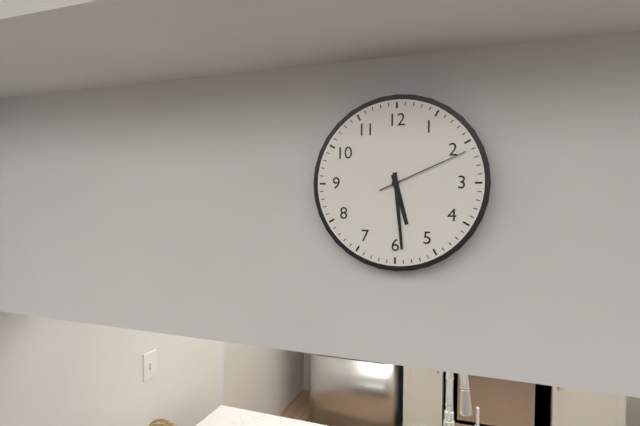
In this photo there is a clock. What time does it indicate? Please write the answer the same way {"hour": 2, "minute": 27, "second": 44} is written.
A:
{"hour": 5, "minute": 29, "second": 11}
